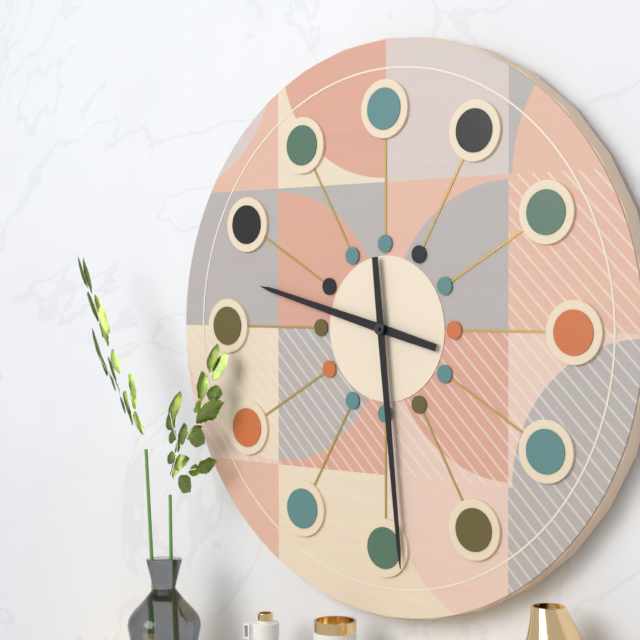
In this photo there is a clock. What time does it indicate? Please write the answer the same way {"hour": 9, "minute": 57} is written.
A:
{"hour": 9, "minute": 29}
